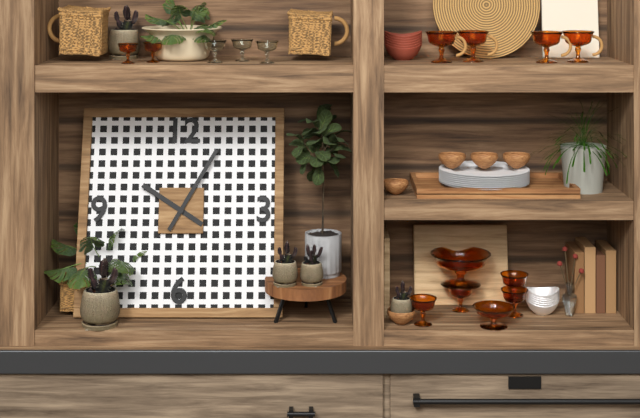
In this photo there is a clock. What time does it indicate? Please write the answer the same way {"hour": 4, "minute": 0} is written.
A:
{"hour": 10, "minute": 5}
